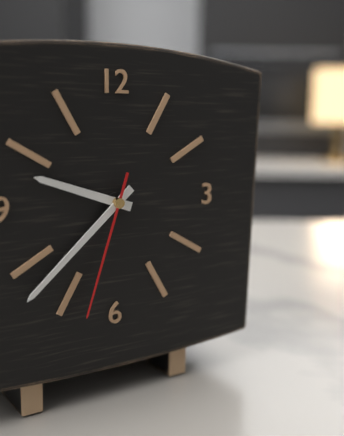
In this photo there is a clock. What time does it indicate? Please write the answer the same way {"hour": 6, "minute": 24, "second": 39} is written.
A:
{"hour": 9, "minute": 38, "second": 33}
